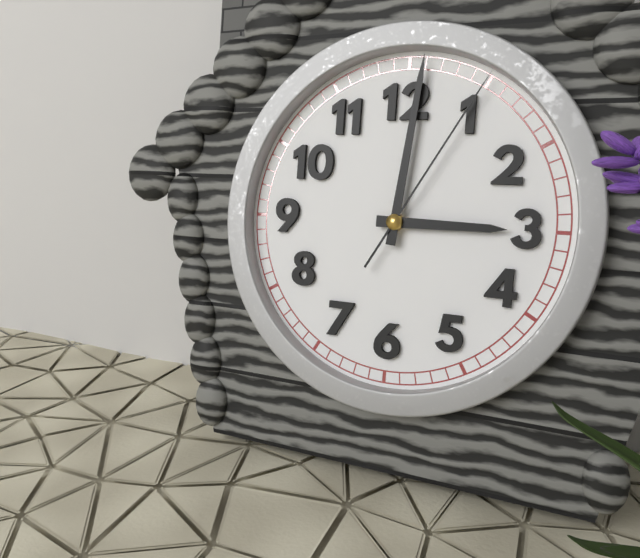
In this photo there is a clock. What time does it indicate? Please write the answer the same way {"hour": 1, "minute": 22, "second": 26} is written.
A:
{"hour": 3, "minute": 1, "second": 5}
